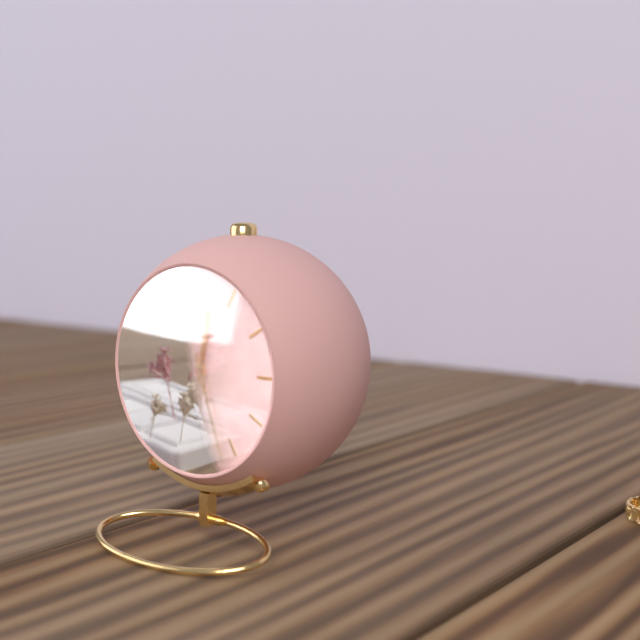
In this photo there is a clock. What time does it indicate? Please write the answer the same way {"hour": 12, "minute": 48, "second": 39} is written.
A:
{"hour": 12, "minute": 27, "second": 2}
